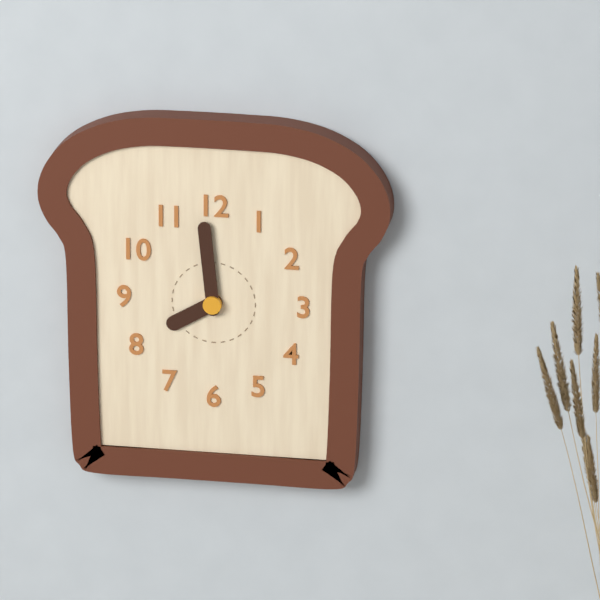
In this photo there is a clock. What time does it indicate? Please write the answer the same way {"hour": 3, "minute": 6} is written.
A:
{"hour": 7, "minute": 59}
